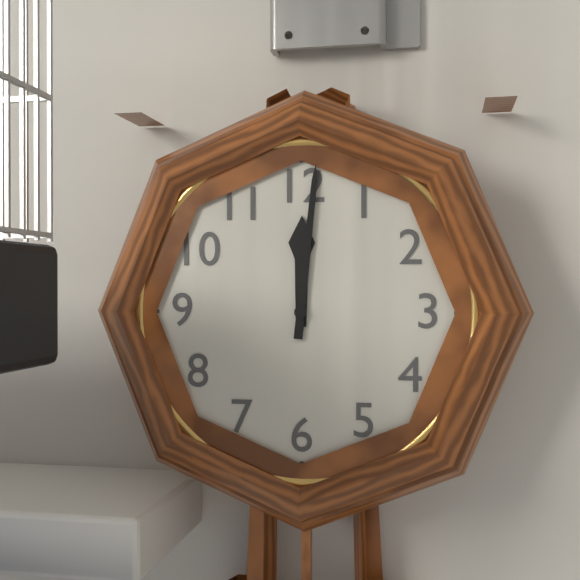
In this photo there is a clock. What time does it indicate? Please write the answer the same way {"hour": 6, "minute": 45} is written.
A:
{"hour": 12, "minute": 1}
